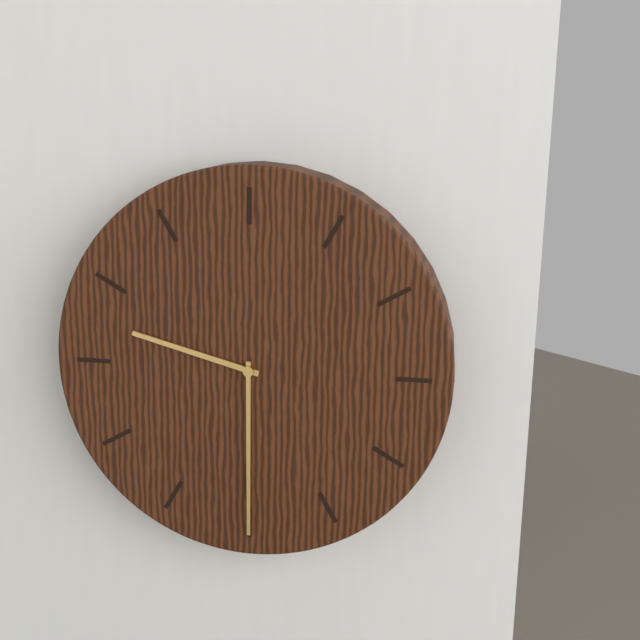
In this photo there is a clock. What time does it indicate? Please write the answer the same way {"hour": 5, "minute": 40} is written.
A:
{"hour": 9, "minute": 30}
